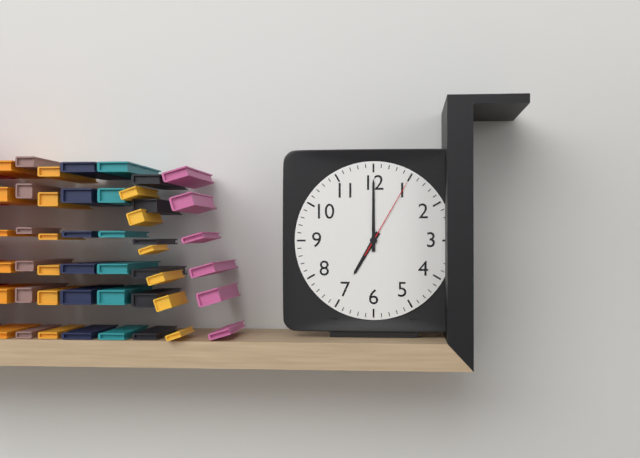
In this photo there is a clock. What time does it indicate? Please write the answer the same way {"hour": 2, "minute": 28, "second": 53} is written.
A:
{"hour": 7, "minute": 0, "second": 5}
